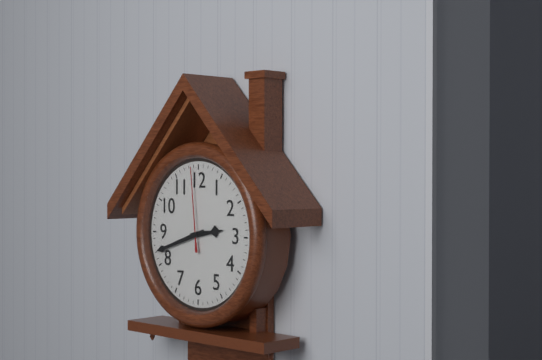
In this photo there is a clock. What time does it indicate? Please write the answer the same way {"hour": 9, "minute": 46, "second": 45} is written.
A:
{"hour": 2, "minute": 42, "second": 59}
